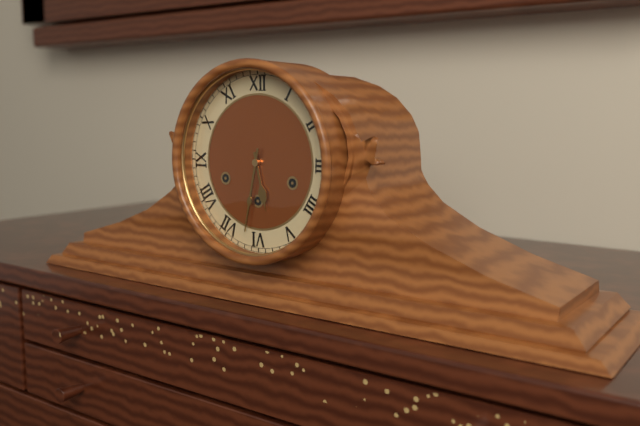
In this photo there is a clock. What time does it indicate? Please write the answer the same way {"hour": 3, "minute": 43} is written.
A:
{"hour": 5, "minute": 32}
